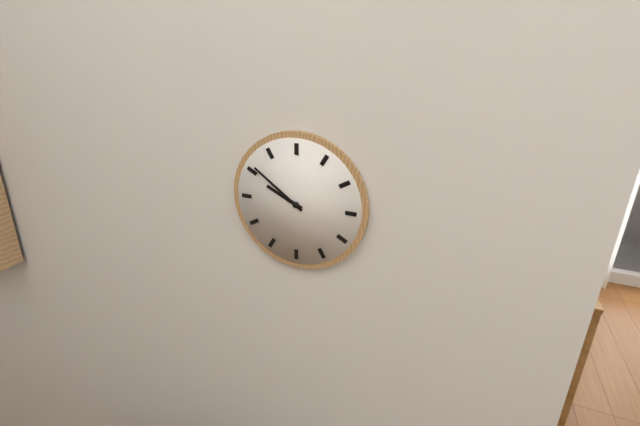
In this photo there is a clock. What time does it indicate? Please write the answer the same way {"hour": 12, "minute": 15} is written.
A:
{"hour": 9, "minute": 51}
